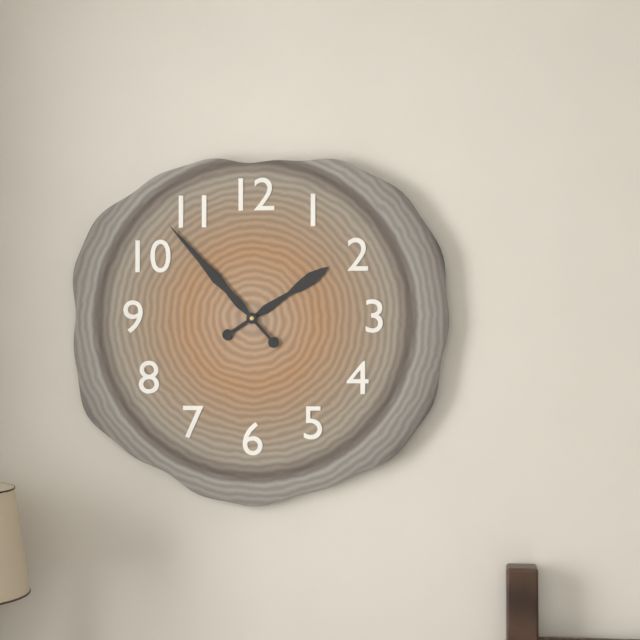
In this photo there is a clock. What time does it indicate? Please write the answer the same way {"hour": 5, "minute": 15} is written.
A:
{"hour": 1, "minute": 53}
